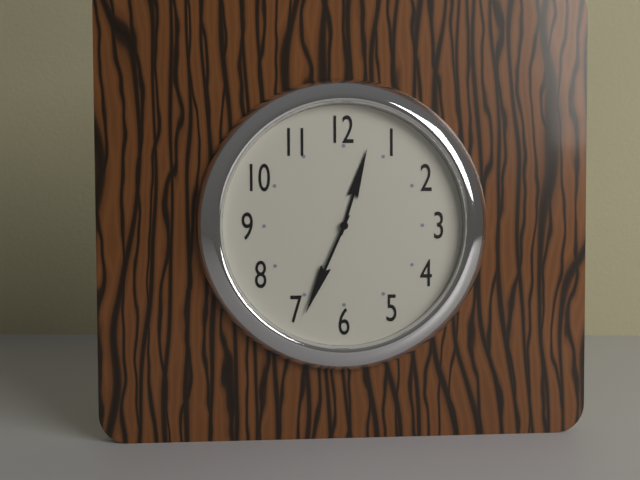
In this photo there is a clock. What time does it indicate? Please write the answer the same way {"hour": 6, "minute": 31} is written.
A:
{"hour": 12, "minute": 34}
